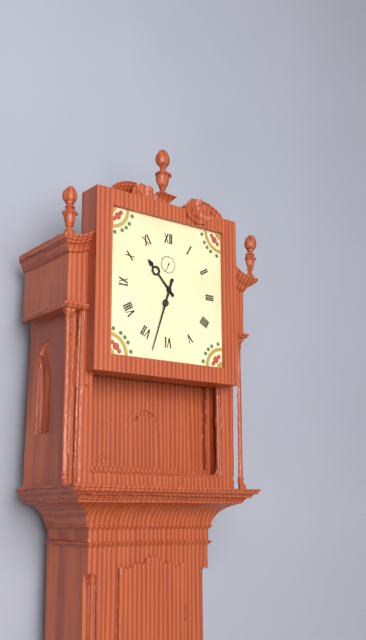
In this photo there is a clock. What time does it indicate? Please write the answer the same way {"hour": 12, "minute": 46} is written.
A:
{"hour": 10, "minute": 33}
